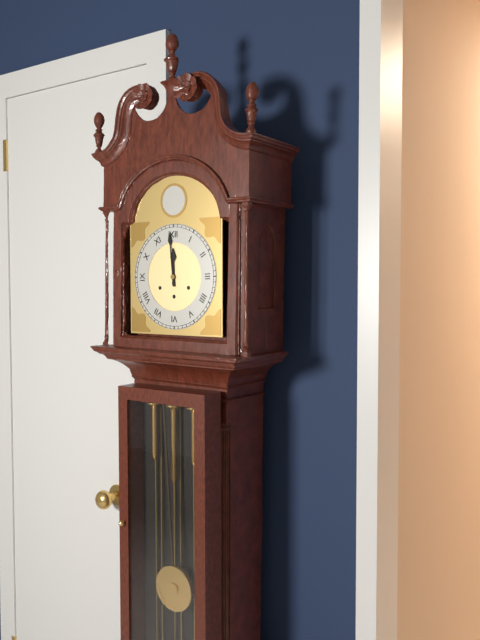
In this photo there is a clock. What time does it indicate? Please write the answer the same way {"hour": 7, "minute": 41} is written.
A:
{"hour": 11, "minute": 59}
